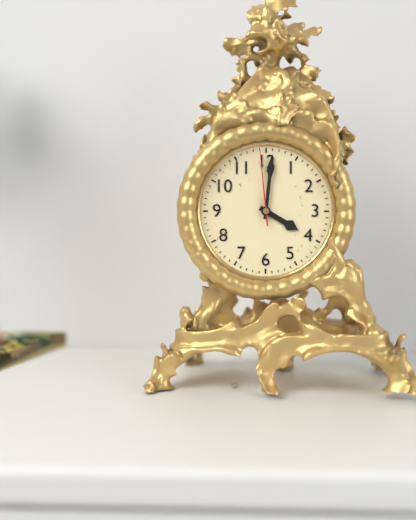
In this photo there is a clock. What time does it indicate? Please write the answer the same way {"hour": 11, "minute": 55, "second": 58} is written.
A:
{"hour": 4, "minute": 1, "second": 59}
